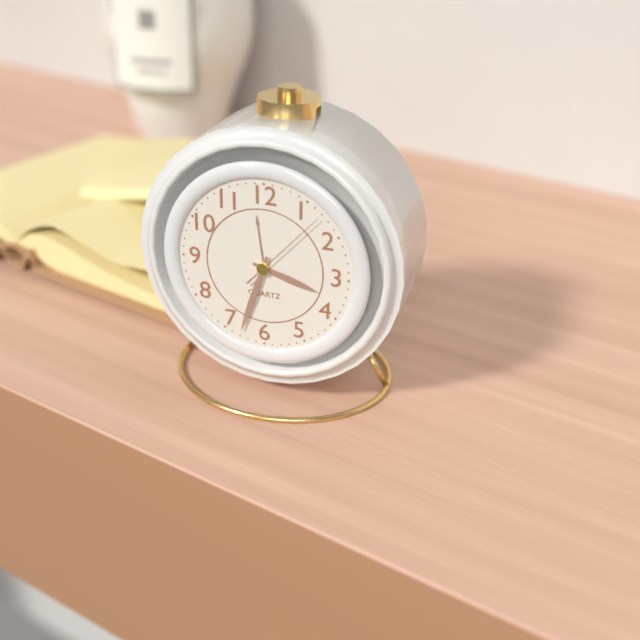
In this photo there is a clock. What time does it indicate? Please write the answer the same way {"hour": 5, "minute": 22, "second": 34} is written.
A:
{"hour": 3, "minute": 33, "second": 7}
